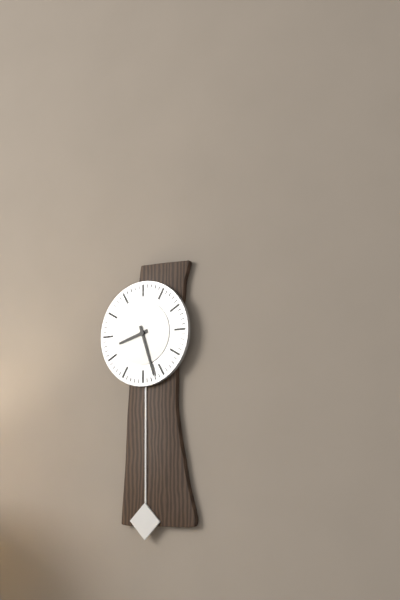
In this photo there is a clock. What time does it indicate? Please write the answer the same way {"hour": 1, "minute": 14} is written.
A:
{"hour": 8, "minute": 27}
